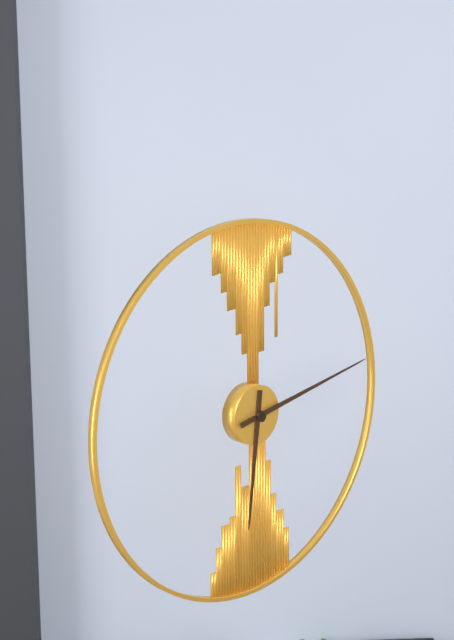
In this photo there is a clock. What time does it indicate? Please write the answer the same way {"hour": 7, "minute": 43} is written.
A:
{"hour": 6, "minute": 13}
